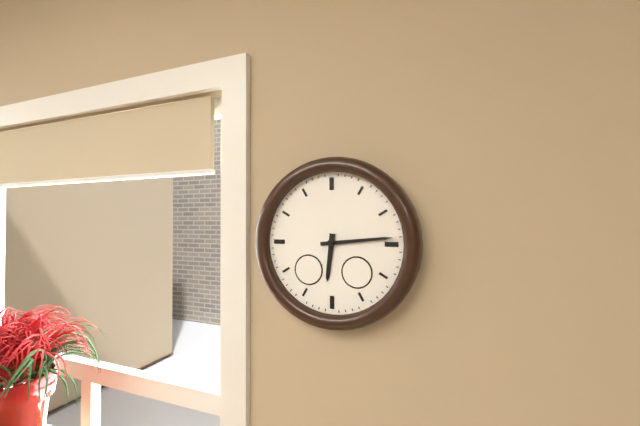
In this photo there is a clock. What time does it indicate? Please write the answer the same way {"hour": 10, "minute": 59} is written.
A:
{"hour": 6, "minute": 14}
